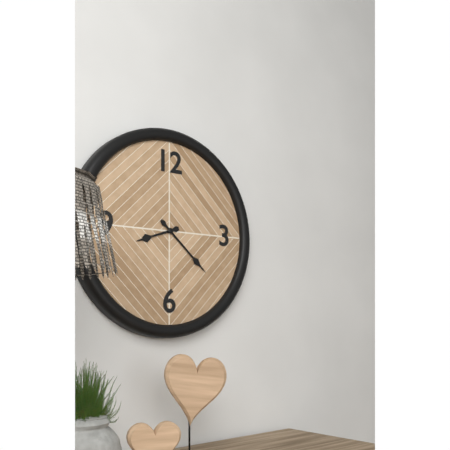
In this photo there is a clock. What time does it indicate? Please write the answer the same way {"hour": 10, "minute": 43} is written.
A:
{"hour": 8, "minute": 22}
